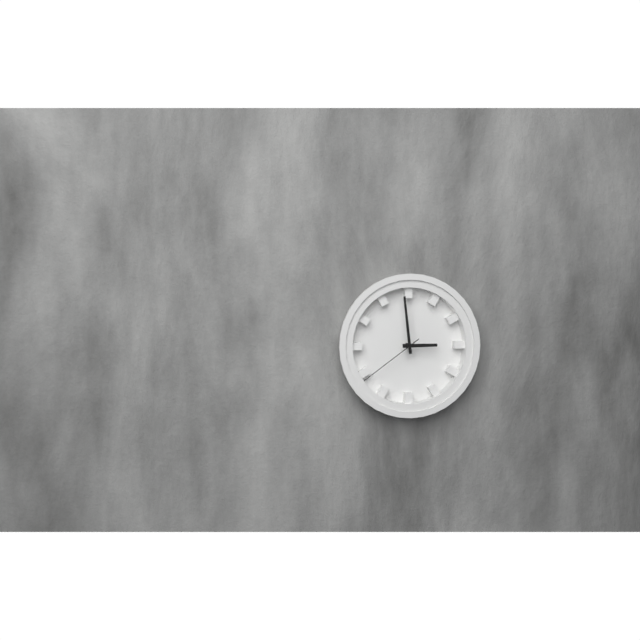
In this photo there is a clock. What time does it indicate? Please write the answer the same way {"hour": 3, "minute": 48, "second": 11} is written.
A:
{"hour": 2, "minute": 59, "second": 39}
